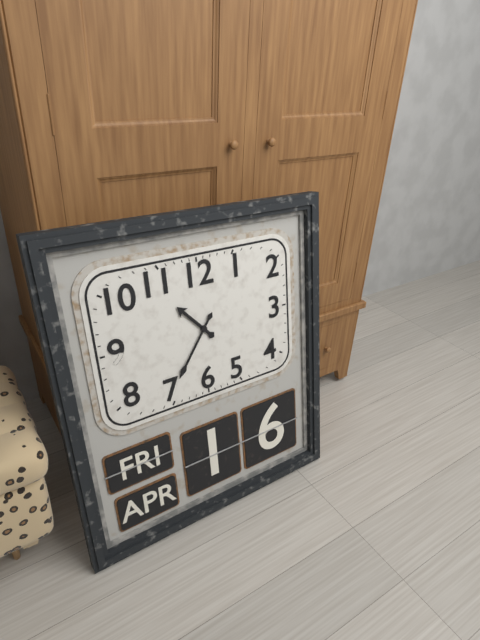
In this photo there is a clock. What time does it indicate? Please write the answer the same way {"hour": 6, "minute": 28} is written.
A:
{"hour": 10, "minute": 36}
